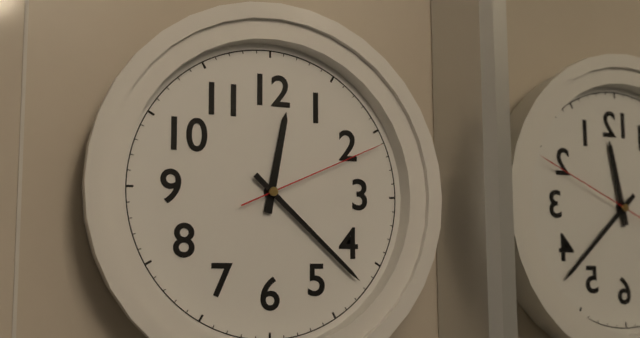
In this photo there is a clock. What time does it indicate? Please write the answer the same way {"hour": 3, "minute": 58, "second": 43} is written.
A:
{"hour": 12, "minute": 22, "second": 11}
